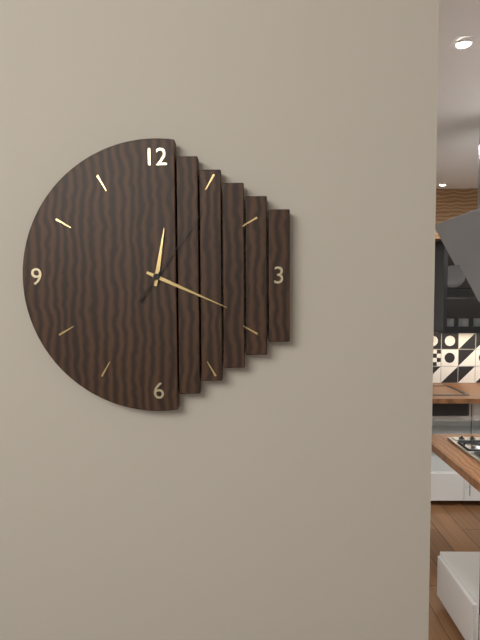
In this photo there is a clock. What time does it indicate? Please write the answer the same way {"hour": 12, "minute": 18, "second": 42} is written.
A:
{"hour": 12, "minute": 19, "second": 6}
